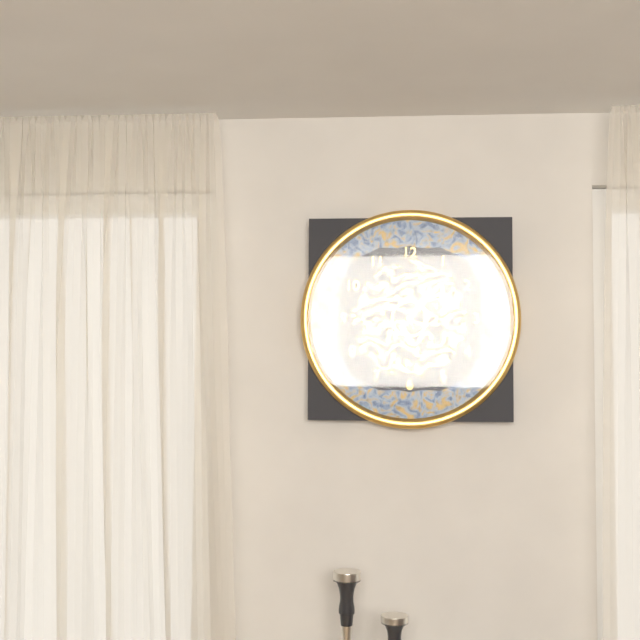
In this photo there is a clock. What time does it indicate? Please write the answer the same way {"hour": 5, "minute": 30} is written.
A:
{"hour": 1, "minute": 7}
